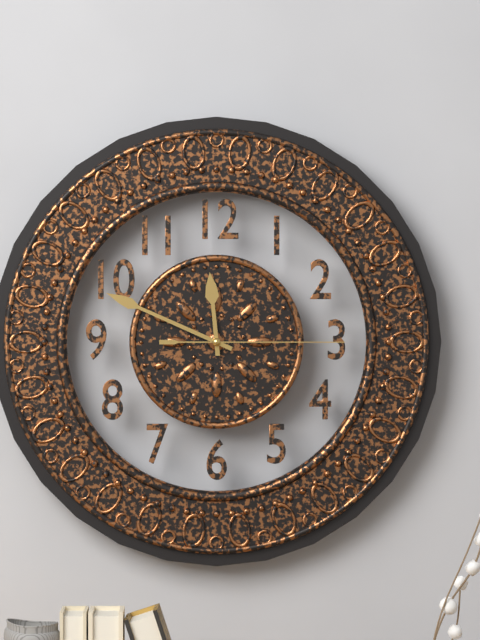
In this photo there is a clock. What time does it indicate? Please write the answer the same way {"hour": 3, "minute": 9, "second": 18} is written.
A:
{"hour": 11, "minute": 49, "second": 15}
